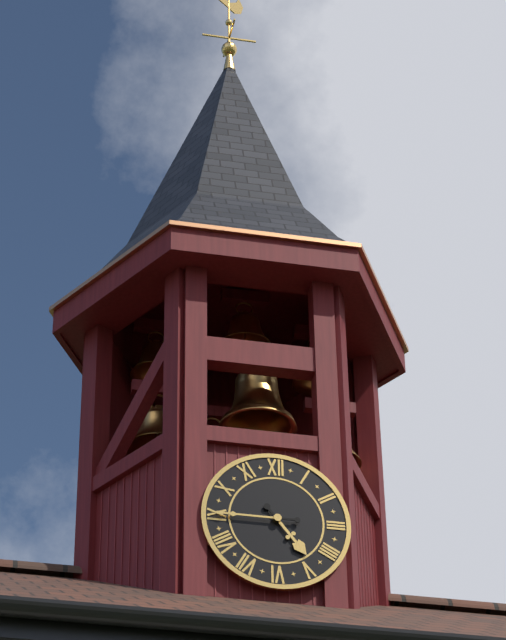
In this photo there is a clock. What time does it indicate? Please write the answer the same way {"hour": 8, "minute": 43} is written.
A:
{"hour": 4, "minute": 45}
